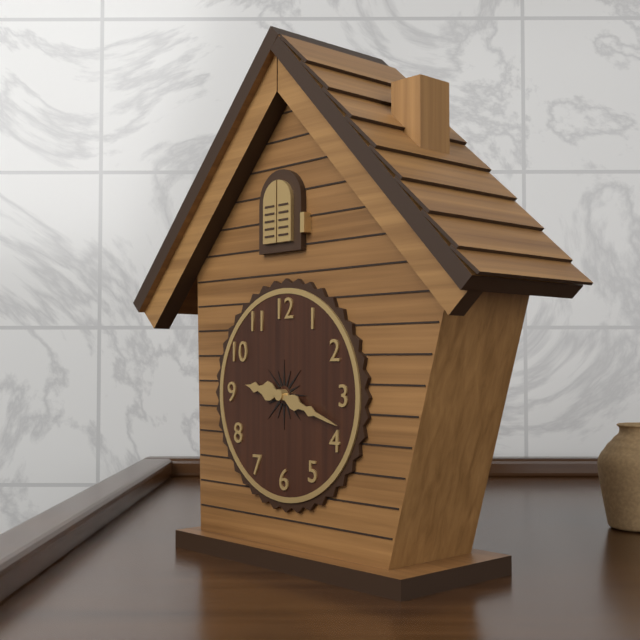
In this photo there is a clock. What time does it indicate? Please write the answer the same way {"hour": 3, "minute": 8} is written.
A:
{"hour": 9, "minute": 18}
